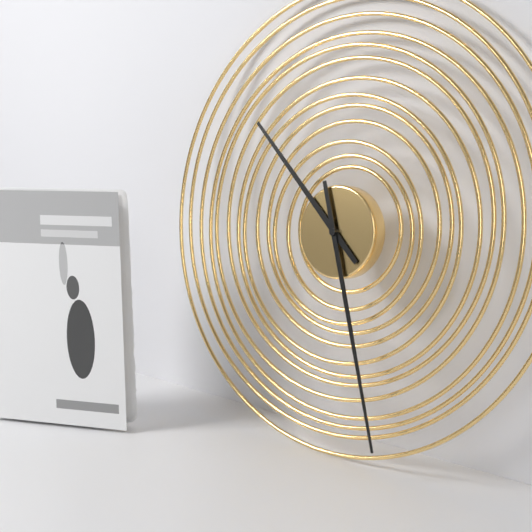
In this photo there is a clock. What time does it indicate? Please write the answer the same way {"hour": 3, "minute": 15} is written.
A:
{"hour": 10, "minute": 27}
